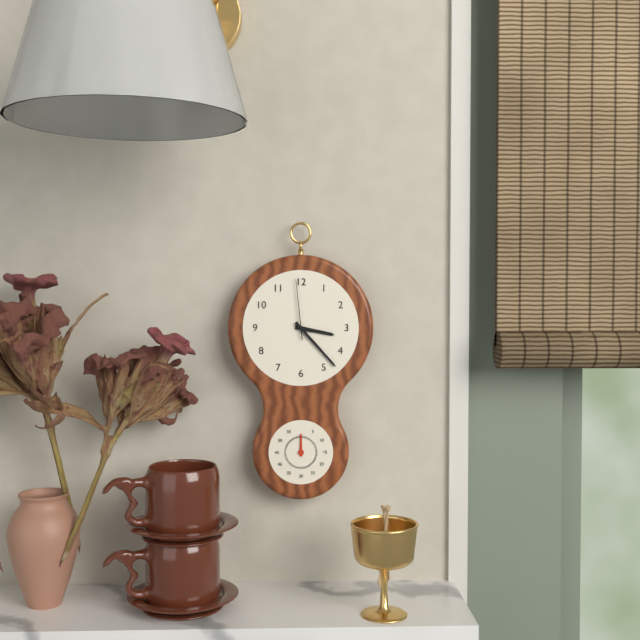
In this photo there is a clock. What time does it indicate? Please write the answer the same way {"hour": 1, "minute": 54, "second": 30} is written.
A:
{"hour": 3, "minute": 23, "second": 59}
